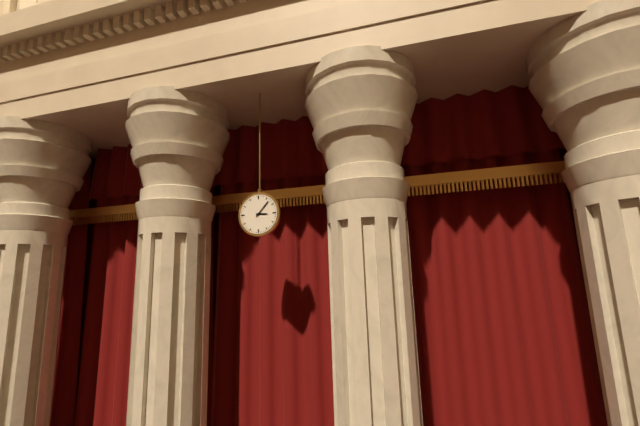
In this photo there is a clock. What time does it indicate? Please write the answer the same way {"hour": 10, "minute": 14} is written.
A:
{"hour": 3, "minute": 7}
